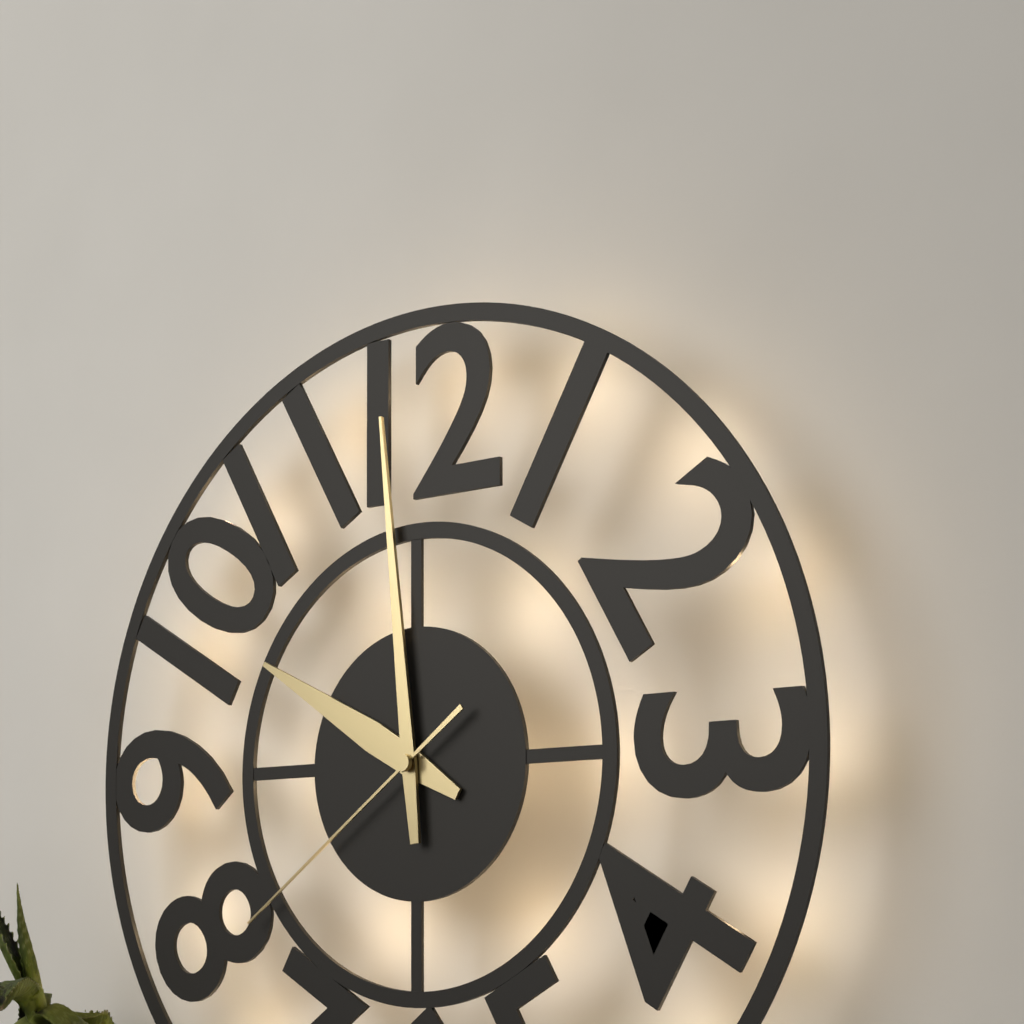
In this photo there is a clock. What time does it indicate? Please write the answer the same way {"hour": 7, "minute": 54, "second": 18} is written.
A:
{"hour": 9, "minute": 59, "second": 39}
